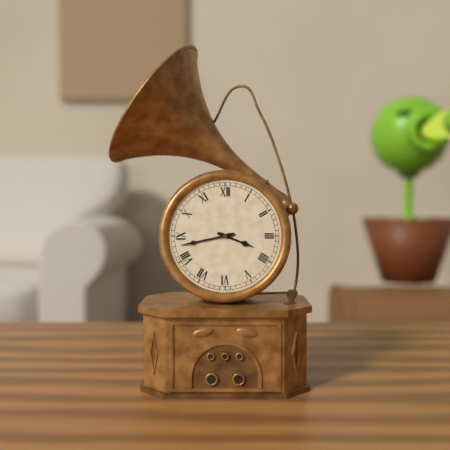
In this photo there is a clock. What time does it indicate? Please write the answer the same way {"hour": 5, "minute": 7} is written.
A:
{"hour": 3, "minute": 43}
